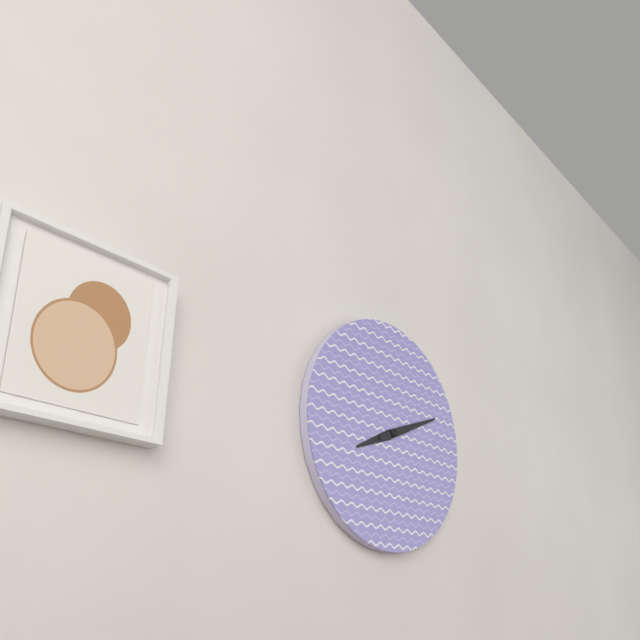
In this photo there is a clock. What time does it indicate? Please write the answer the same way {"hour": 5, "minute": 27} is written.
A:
{"hour": 8, "minute": 11}
